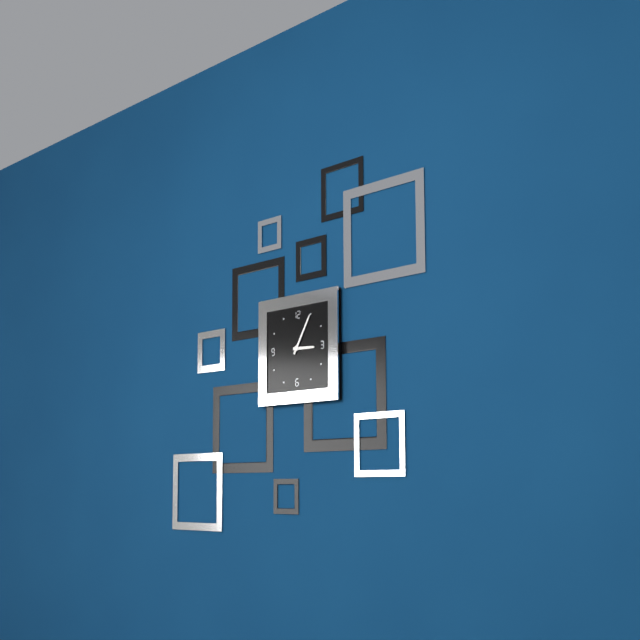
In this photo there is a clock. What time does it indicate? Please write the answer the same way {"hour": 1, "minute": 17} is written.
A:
{"hour": 3, "minute": 5}
